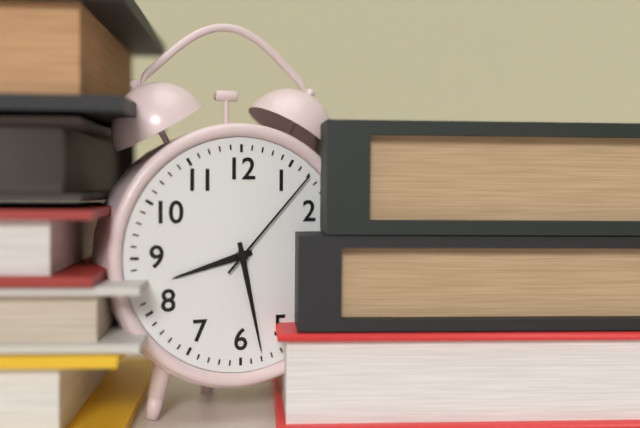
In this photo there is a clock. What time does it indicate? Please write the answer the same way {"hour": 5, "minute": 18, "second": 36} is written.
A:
{"hour": 8, "minute": 28, "second": 7}
